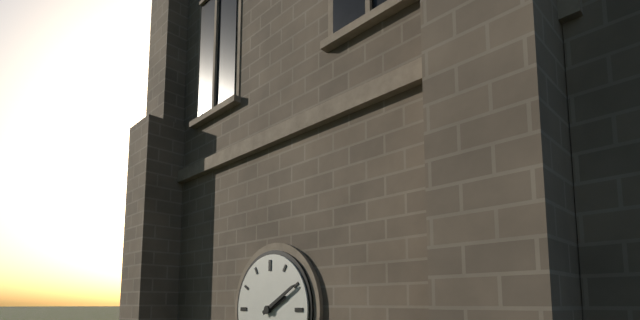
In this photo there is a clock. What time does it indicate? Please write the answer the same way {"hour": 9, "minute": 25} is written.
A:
{"hour": 2, "minute": 10}
